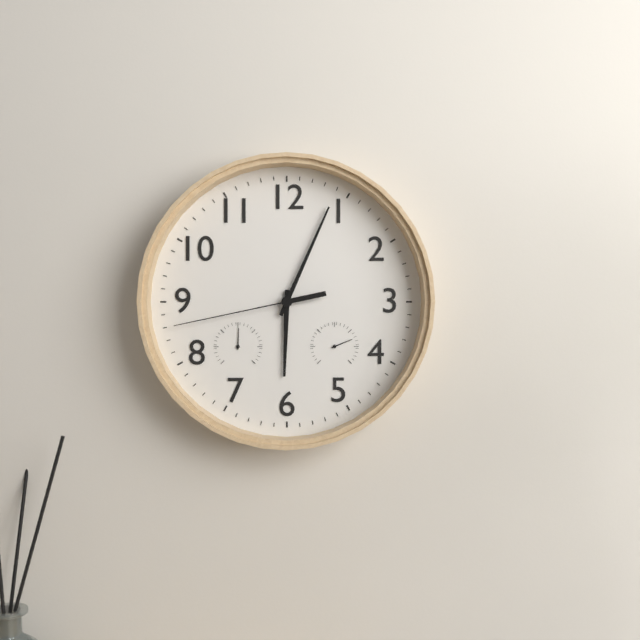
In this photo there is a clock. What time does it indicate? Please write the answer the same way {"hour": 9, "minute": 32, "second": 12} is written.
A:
{"hour": 6, "minute": 4, "second": 43}
